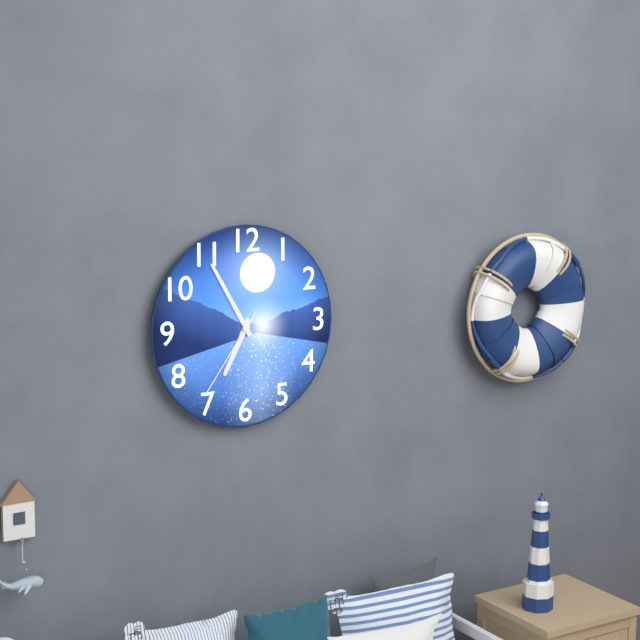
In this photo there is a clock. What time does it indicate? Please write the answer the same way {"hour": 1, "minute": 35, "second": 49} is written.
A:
{"hour": 6, "minute": 55, "second": 36}
